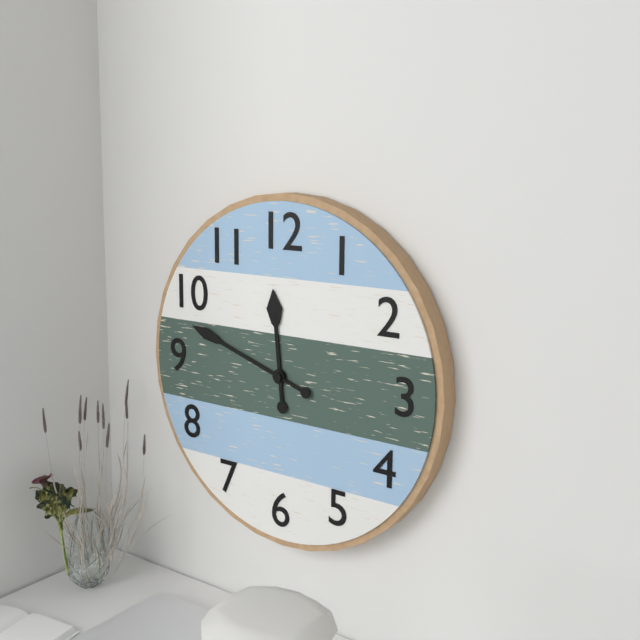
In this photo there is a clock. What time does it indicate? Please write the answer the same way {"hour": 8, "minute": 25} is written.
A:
{"hour": 11, "minute": 48}
